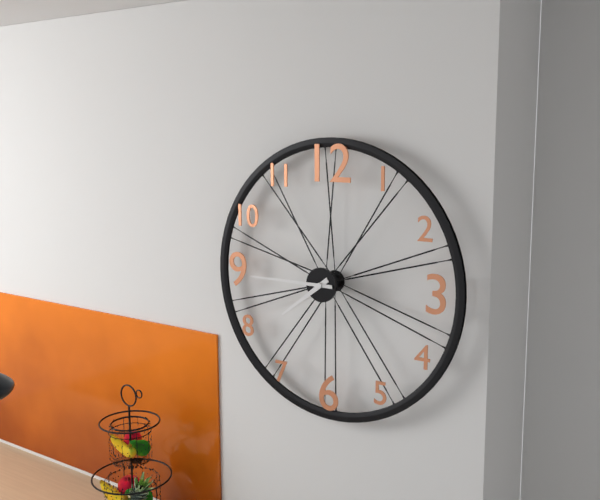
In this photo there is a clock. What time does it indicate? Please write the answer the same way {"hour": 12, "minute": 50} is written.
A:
{"hour": 7, "minute": 45}
